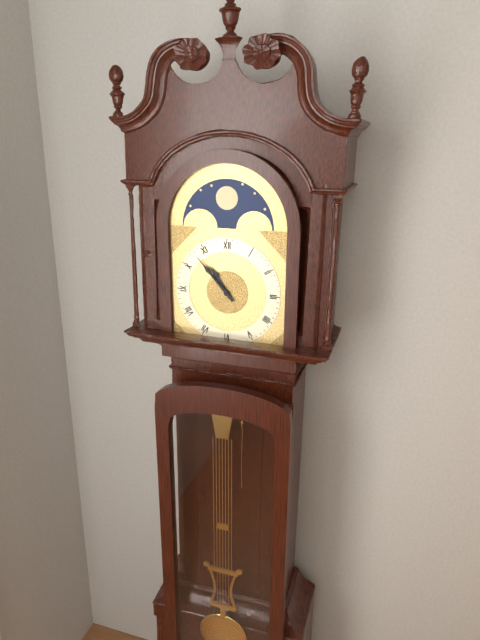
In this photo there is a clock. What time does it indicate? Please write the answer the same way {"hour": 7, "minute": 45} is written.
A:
{"hour": 10, "minute": 53}
